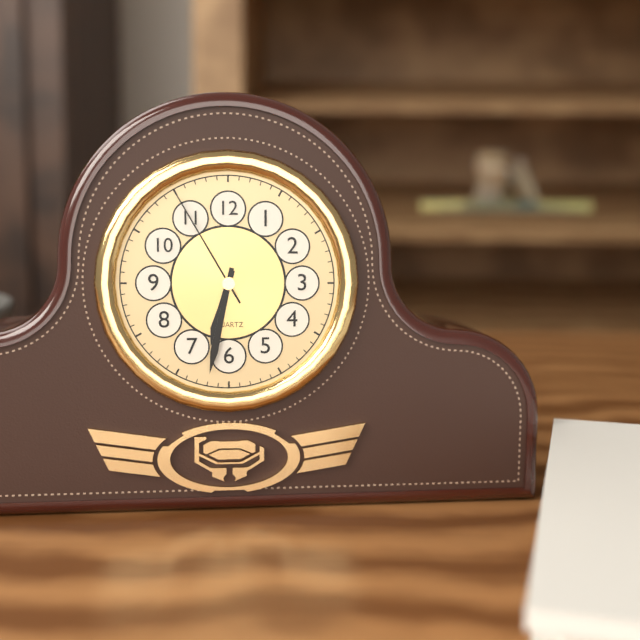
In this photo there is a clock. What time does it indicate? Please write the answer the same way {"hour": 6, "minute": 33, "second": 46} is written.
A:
{"hour": 6, "minute": 32, "second": 55}
